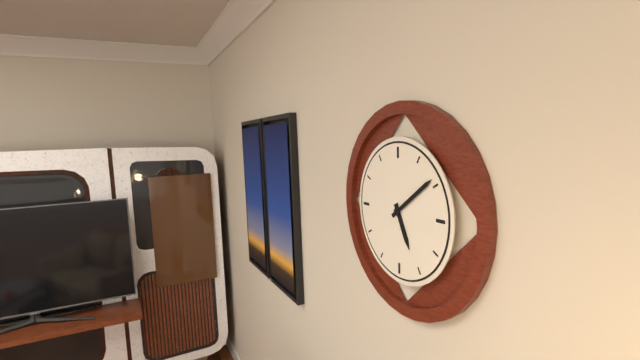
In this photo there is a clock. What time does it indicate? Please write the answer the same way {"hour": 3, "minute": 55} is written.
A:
{"hour": 5, "minute": 9}
